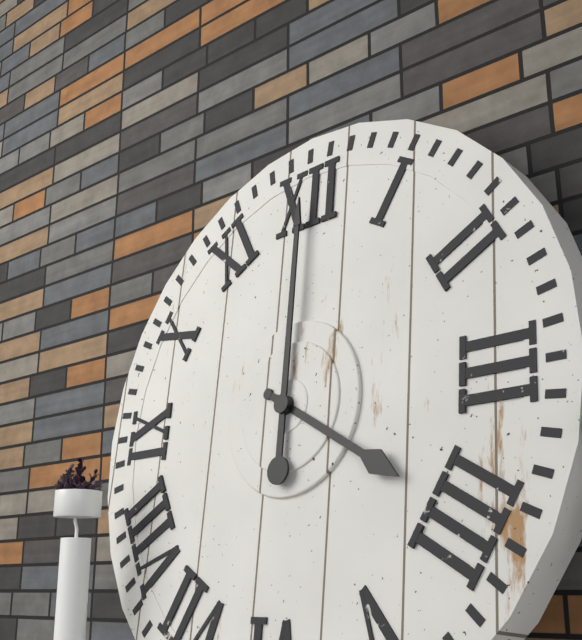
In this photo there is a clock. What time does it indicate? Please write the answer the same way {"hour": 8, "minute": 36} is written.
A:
{"hour": 4, "minute": 0}
